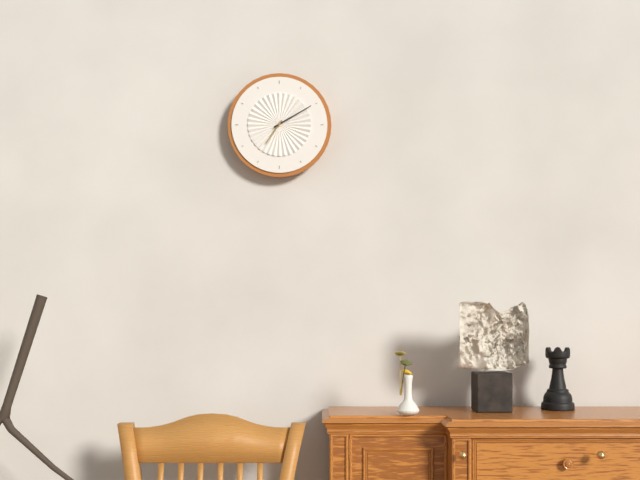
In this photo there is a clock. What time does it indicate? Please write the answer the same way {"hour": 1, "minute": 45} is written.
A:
{"hour": 7, "minute": 10}
